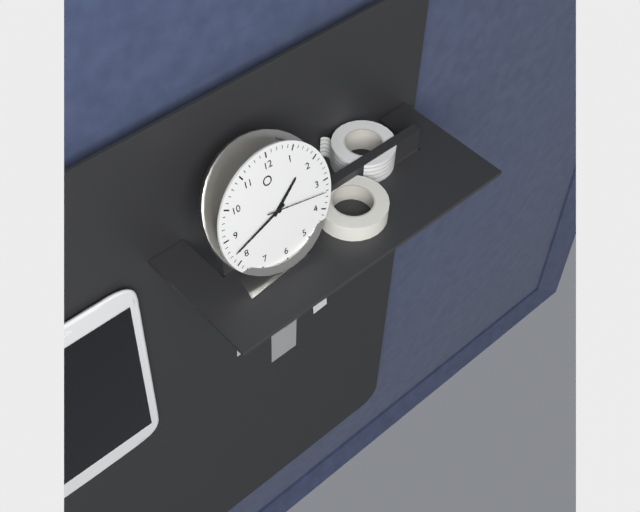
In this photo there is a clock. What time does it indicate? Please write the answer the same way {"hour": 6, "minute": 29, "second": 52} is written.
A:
{"hour": 1, "minute": 42, "second": 17}
